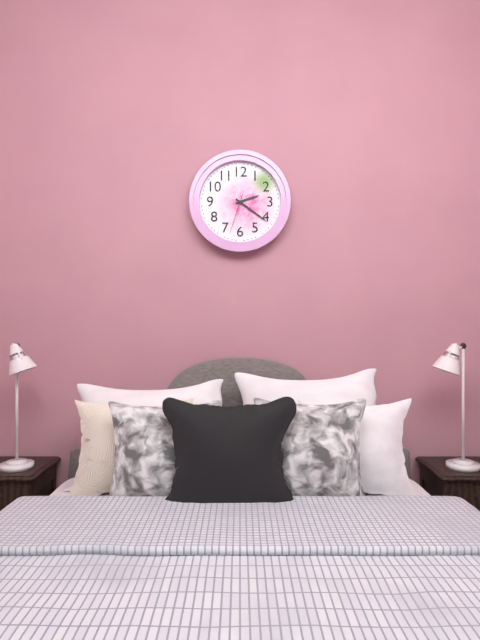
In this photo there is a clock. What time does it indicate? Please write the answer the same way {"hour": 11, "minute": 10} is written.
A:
{"hour": 2, "minute": 21}
